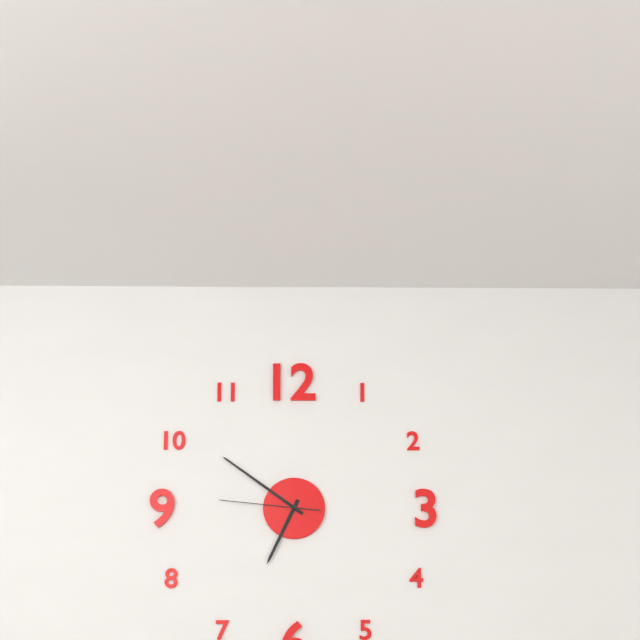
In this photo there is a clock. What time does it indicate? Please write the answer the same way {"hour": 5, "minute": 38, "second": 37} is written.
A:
{"hour": 6, "minute": 51, "second": 46}
